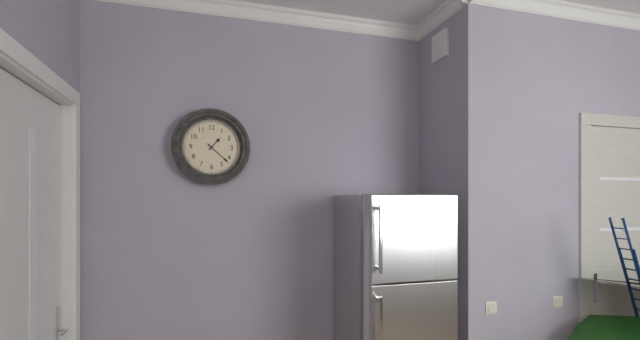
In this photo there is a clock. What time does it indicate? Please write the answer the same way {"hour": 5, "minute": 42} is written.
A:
{"hour": 1, "minute": 22}
